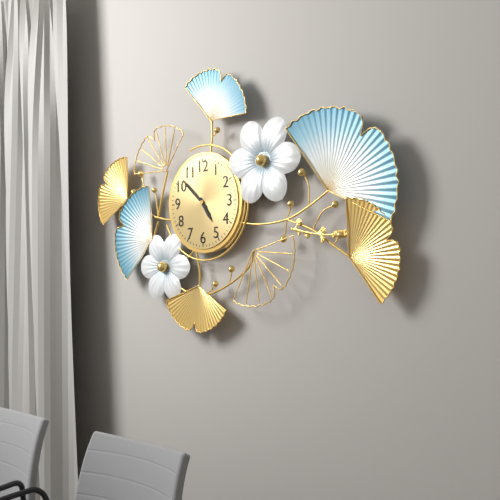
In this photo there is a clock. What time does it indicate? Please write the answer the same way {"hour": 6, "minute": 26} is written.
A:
{"hour": 4, "minute": 52}
